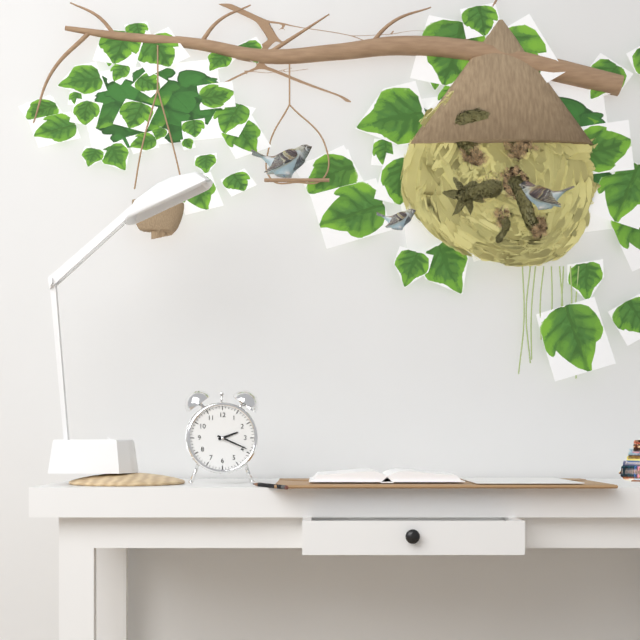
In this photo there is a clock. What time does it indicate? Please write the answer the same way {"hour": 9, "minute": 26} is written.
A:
{"hour": 2, "minute": 19}
